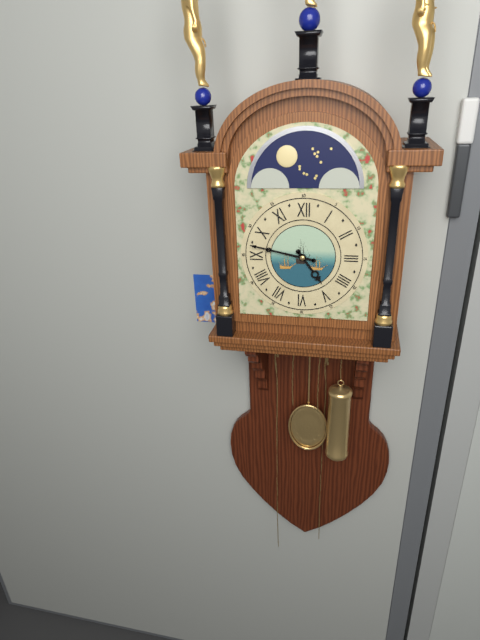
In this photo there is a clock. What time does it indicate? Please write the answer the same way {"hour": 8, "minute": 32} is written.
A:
{"hour": 4, "minute": 47}
